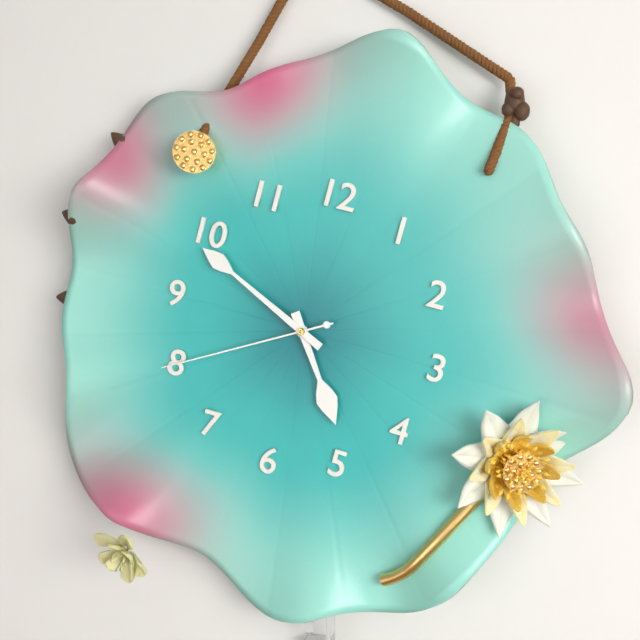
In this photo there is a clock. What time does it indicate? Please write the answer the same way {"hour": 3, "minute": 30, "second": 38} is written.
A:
{"hour": 4, "minute": 49, "second": 40}
